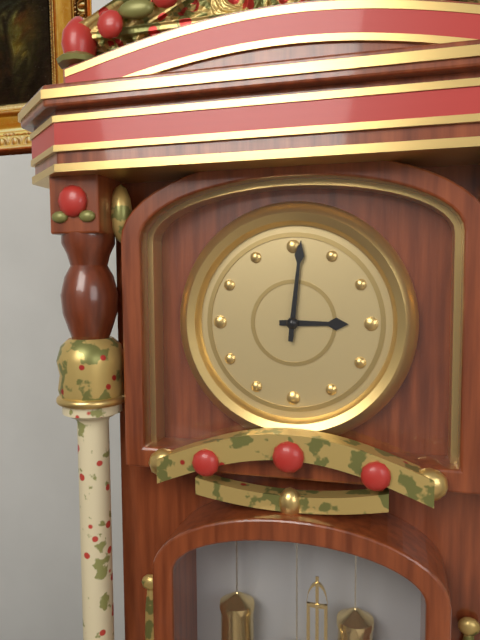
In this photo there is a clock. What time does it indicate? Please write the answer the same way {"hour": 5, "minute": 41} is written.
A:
{"hour": 3, "minute": 1}
